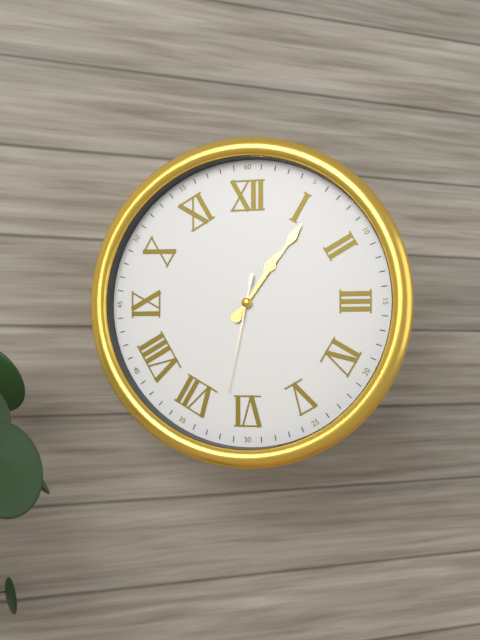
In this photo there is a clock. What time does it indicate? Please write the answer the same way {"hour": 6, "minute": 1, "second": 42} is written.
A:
{"hour": 1, "minute": 6, "second": 32}
